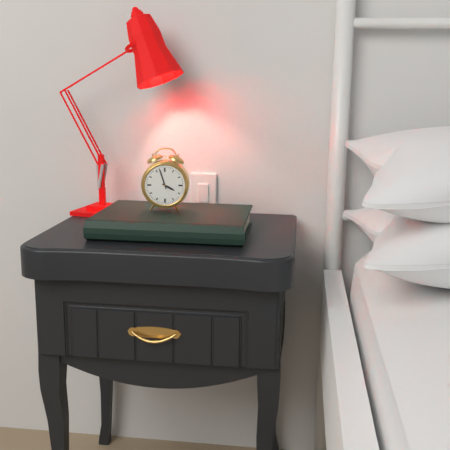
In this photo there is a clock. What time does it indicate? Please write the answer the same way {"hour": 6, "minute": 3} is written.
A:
{"hour": 3, "minute": 57}
